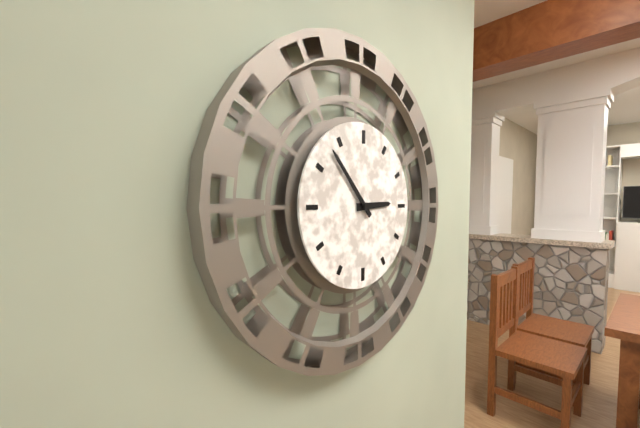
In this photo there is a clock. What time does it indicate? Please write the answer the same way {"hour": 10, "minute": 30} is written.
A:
{"hour": 2, "minute": 53}
